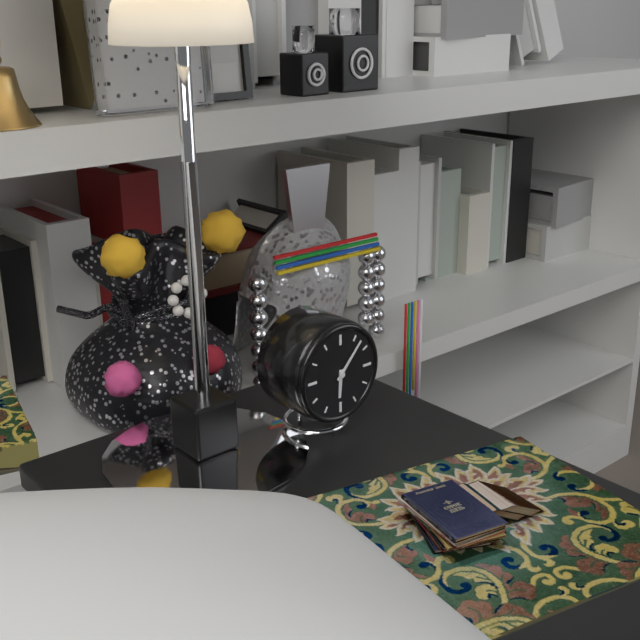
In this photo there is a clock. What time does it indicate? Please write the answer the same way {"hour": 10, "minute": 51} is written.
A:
{"hour": 6, "minute": 7}
